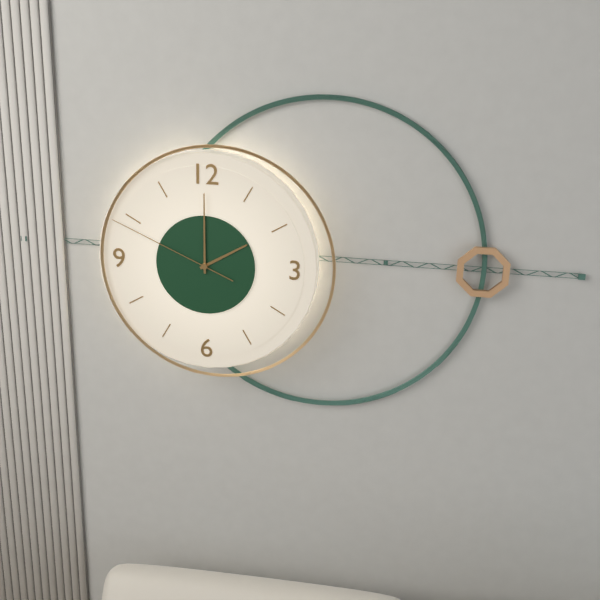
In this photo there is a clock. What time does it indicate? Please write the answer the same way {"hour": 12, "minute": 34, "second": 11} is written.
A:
{"hour": 2, "minute": 0, "second": 49}
